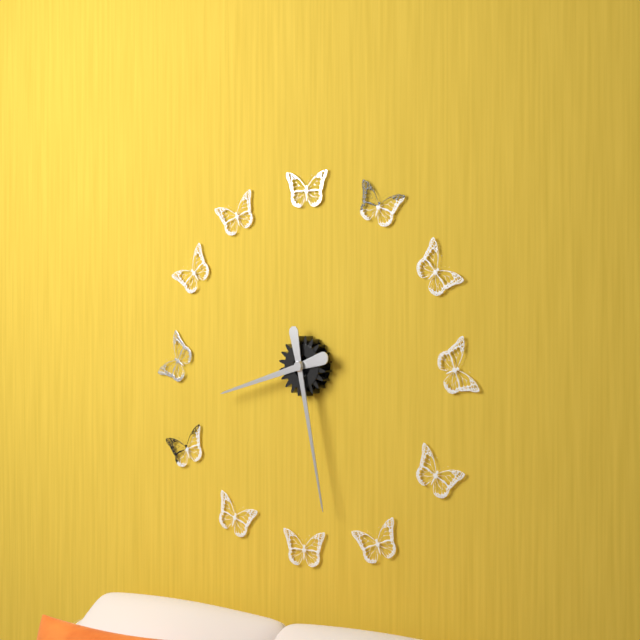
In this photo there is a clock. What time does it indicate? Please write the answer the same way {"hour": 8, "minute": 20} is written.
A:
{"hour": 8, "minute": 28}
